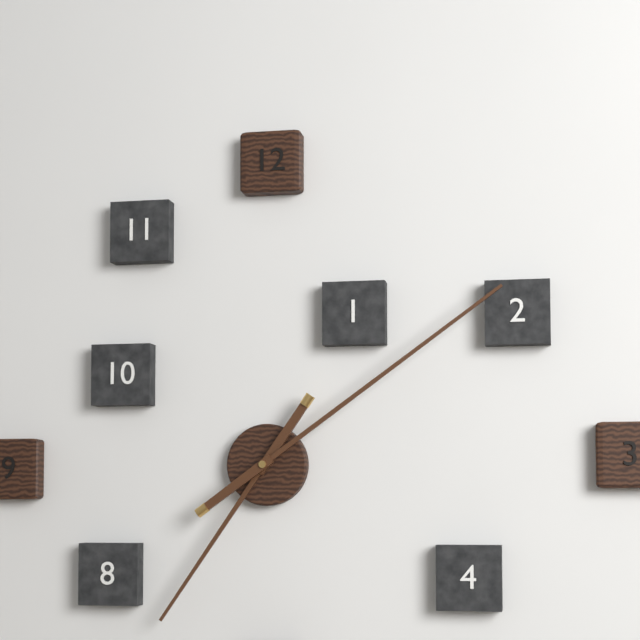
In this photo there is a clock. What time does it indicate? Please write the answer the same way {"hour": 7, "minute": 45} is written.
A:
{"hour": 7, "minute": 9}
